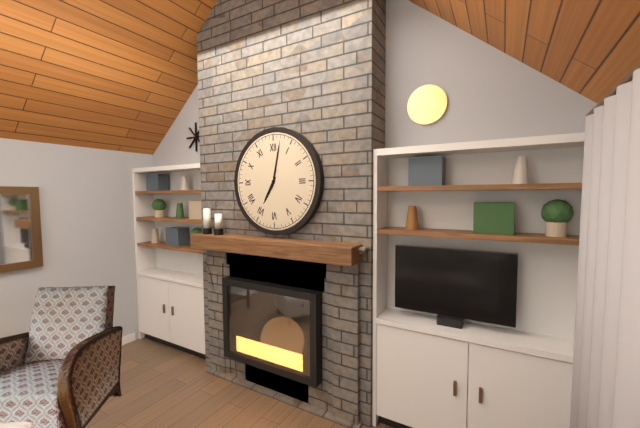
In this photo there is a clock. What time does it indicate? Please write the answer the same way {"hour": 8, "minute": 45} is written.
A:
{"hour": 7, "minute": 2}
